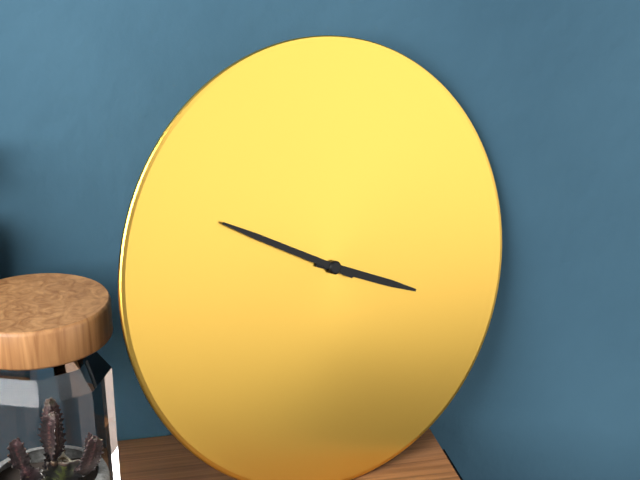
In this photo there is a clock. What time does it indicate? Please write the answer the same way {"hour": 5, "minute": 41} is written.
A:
{"hour": 3, "minute": 50}
